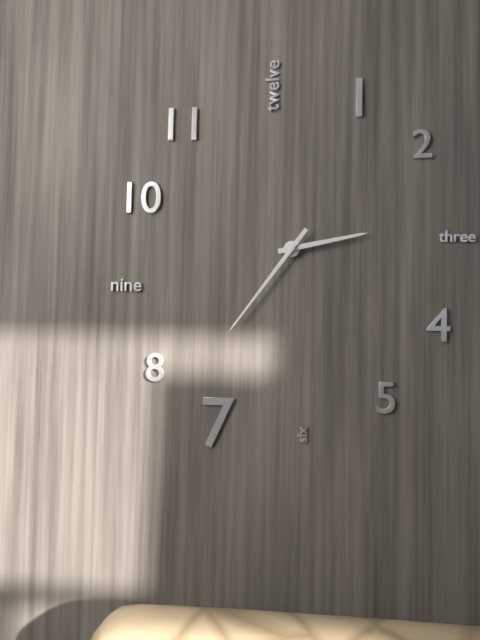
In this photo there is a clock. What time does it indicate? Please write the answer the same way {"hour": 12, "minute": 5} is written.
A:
{"hour": 2, "minute": 36}
